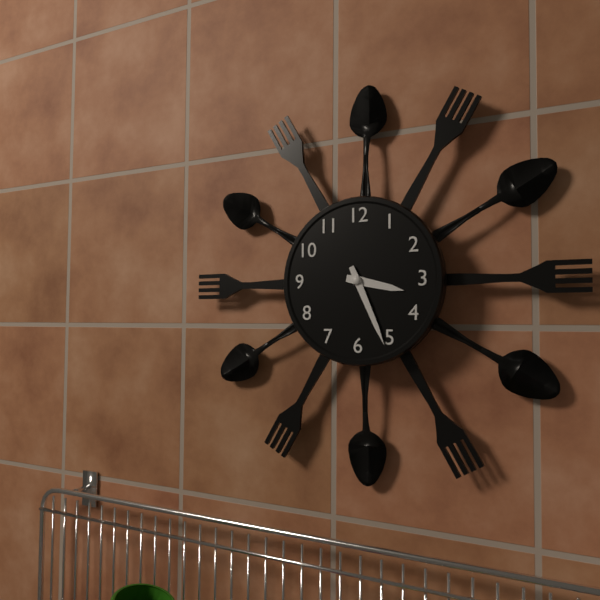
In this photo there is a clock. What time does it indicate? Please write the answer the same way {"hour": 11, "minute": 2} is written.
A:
{"hour": 3, "minute": 26}
